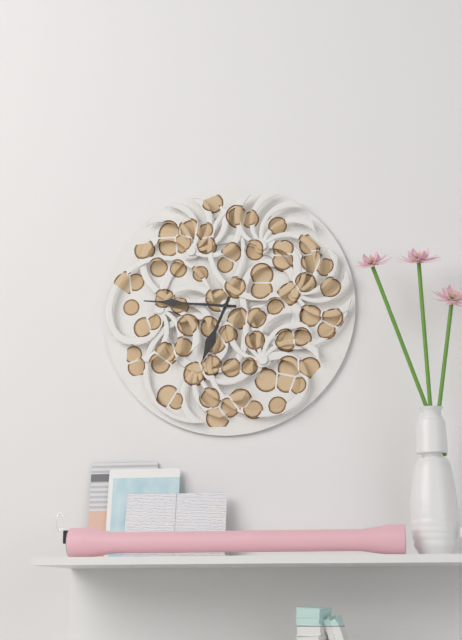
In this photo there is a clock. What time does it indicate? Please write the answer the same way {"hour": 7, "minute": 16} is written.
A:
{"hour": 6, "minute": 46}
